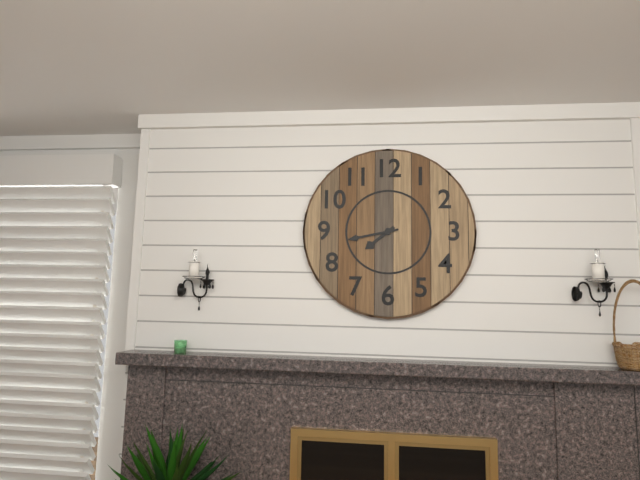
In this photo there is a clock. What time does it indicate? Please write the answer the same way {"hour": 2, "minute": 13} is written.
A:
{"hour": 7, "minute": 43}
